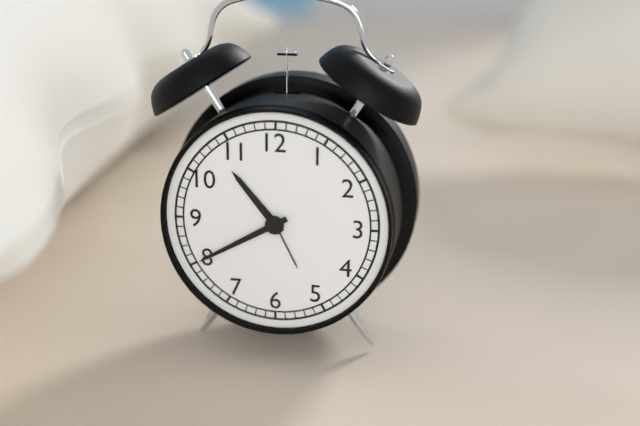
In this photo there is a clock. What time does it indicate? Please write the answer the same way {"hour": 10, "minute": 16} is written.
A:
{"hour": 10, "minute": 40}
